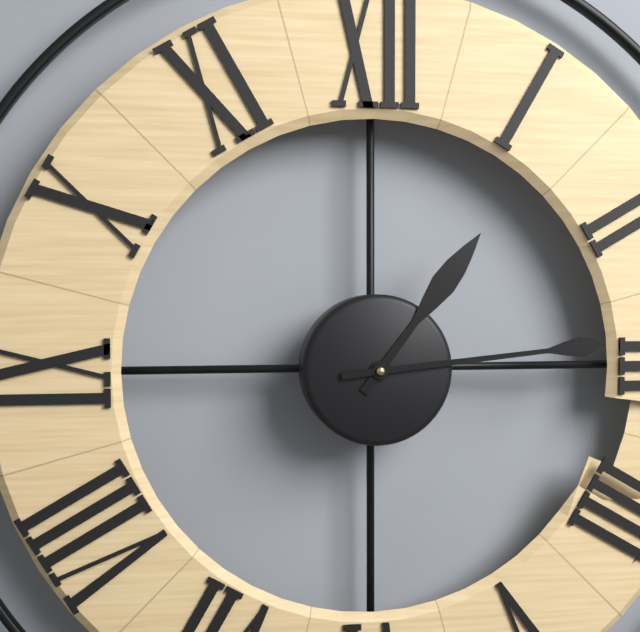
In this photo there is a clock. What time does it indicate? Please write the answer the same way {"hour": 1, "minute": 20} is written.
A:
{"hour": 1, "minute": 14}
